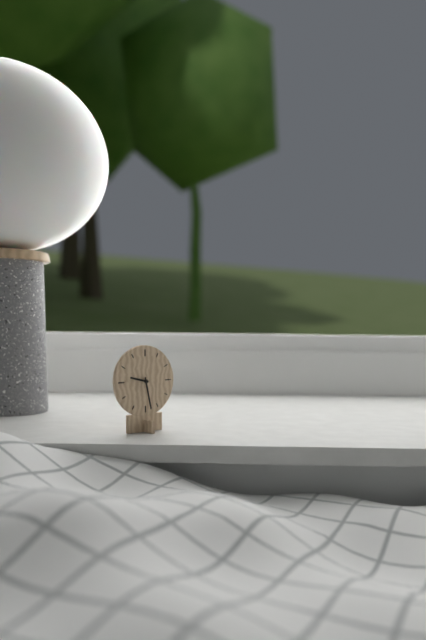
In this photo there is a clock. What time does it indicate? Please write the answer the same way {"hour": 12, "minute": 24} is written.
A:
{"hour": 9, "minute": 28}
